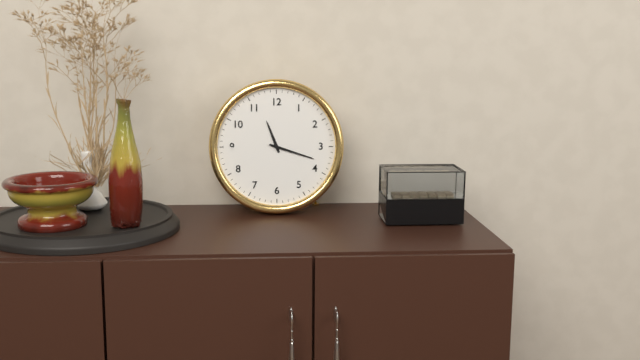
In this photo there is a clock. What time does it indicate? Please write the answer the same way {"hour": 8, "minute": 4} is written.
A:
{"hour": 11, "minute": 18}
